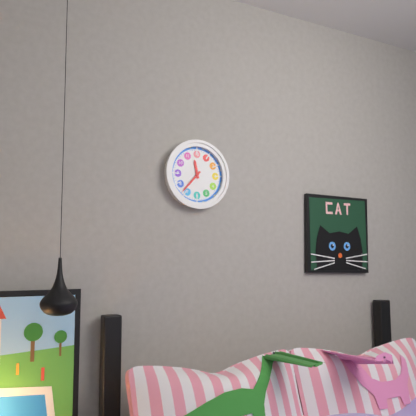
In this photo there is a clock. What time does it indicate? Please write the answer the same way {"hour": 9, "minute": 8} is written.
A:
{"hour": 11, "minute": 37}
